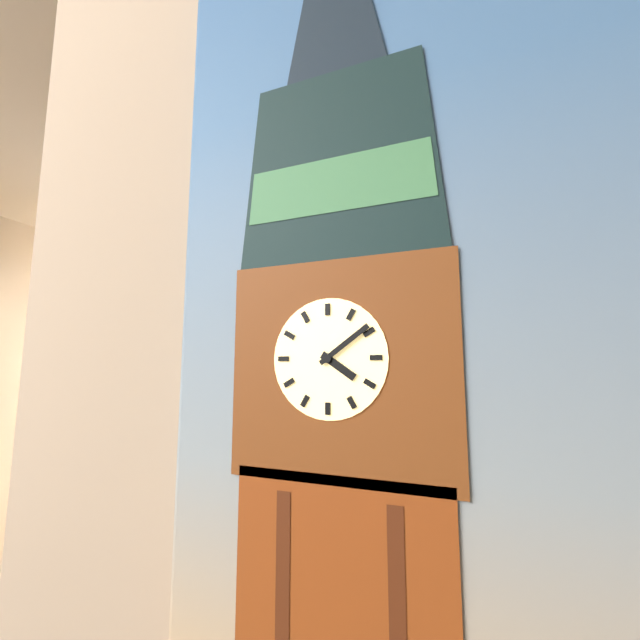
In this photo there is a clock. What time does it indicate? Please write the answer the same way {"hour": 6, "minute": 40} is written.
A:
{"hour": 4, "minute": 9}
